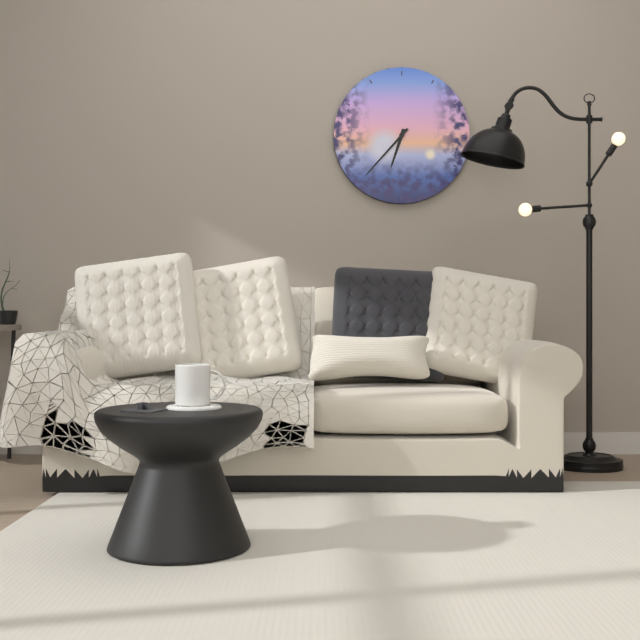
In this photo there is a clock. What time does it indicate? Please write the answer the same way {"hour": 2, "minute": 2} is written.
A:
{"hour": 6, "minute": 37}
